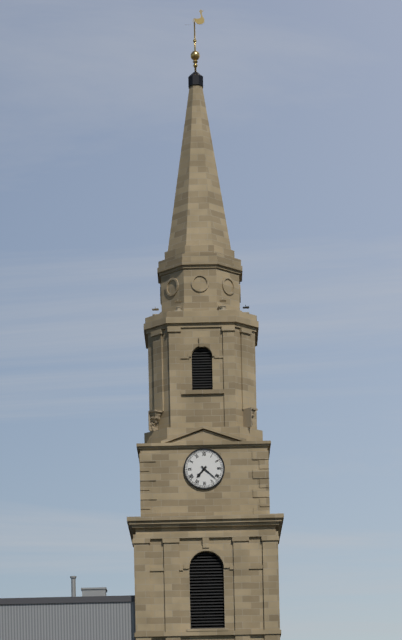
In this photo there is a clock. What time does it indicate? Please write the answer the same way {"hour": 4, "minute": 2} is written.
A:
{"hour": 7, "minute": 22}
